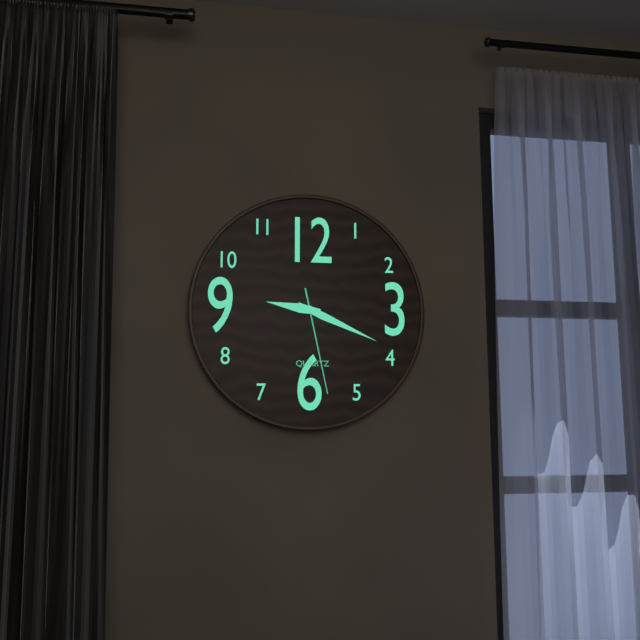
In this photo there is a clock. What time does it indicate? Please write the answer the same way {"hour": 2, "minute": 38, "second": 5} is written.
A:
{"hour": 9, "minute": 19, "second": 28}
